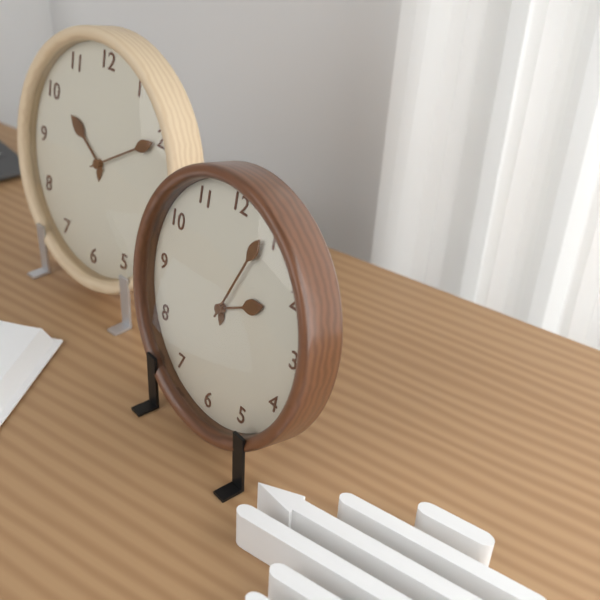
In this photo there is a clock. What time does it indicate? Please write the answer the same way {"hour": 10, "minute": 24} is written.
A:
{"hour": 2, "minute": 4}
